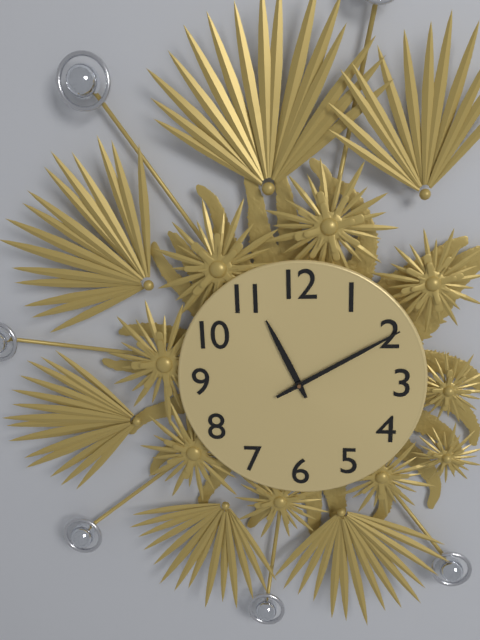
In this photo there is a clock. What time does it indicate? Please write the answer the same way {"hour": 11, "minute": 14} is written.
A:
{"hour": 11, "minute": 10}
